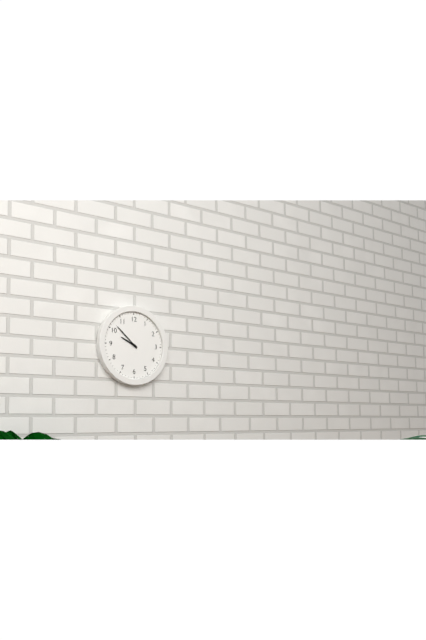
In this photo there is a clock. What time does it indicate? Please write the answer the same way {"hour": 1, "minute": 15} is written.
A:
{"hour": 9, "minute": 52}
